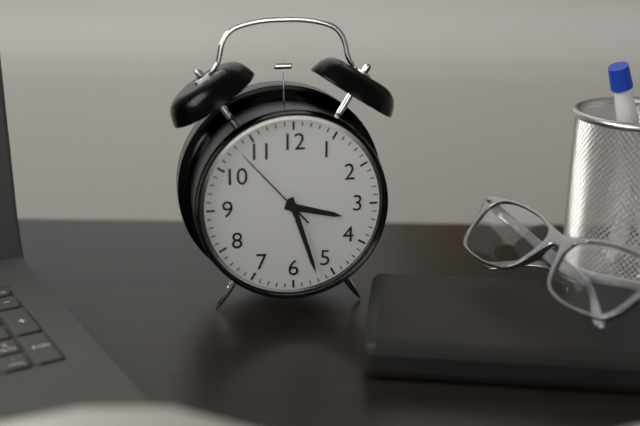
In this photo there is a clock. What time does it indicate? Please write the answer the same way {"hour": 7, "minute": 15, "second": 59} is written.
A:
{"hour": 3, "minute": 27, "second": 53}
